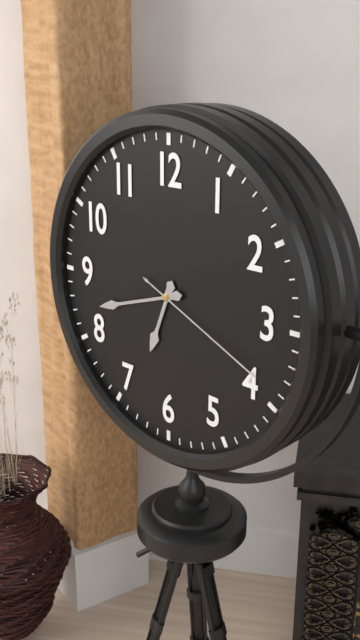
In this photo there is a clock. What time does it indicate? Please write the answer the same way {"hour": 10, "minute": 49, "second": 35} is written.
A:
{"hour": 6, "minute": 42, "second": 19}
